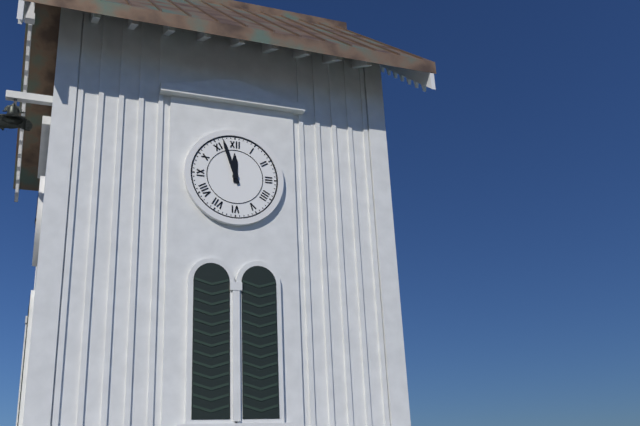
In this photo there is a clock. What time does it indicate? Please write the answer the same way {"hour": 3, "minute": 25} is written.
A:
{"hour": 11, "minute": 57}
